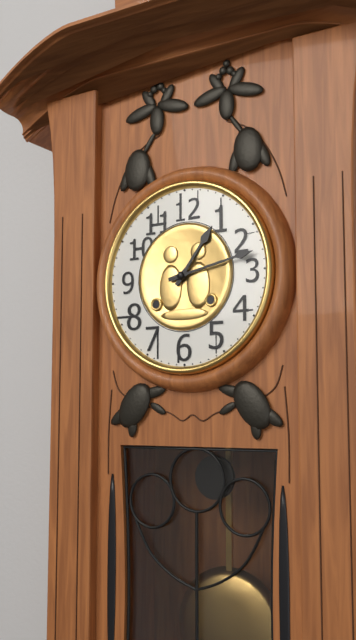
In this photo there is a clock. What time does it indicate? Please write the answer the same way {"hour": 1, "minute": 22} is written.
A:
{"hour": 1, "minute": 13}
